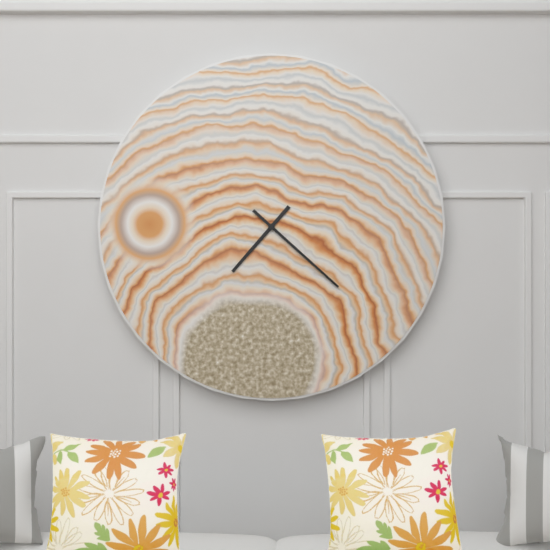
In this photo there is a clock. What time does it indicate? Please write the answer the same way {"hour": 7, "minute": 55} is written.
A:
{"hour": 7, "minute": 22}
